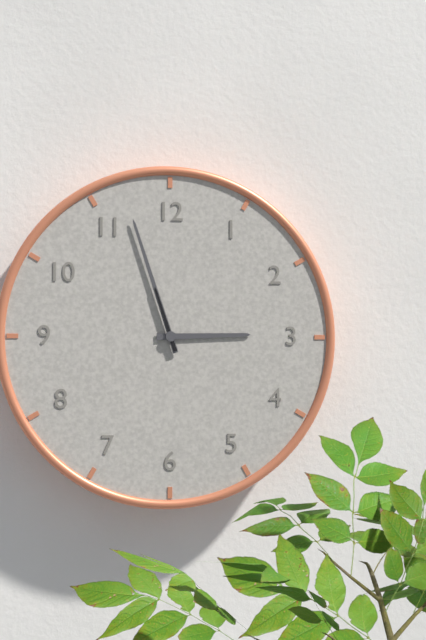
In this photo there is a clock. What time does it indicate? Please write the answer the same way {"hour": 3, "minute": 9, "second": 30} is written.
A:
{"hour": 2, "minute": 57, "second": 57}
